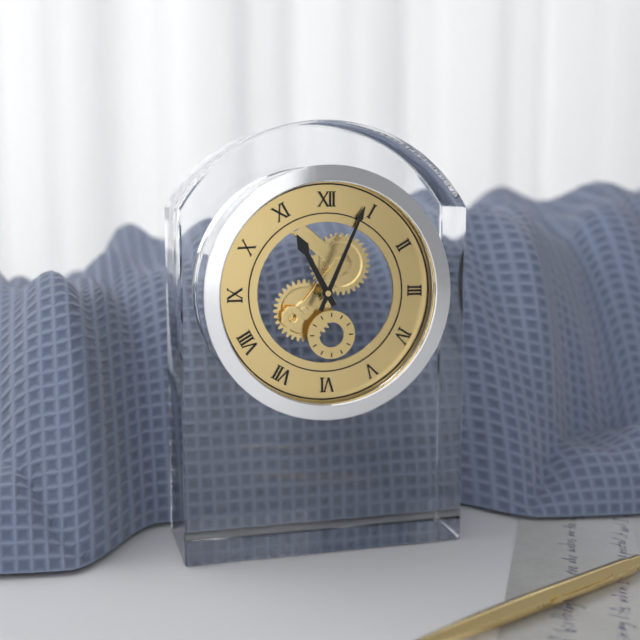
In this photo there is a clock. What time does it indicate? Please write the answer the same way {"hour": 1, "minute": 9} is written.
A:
{"hour": 11, "minute": 4}
